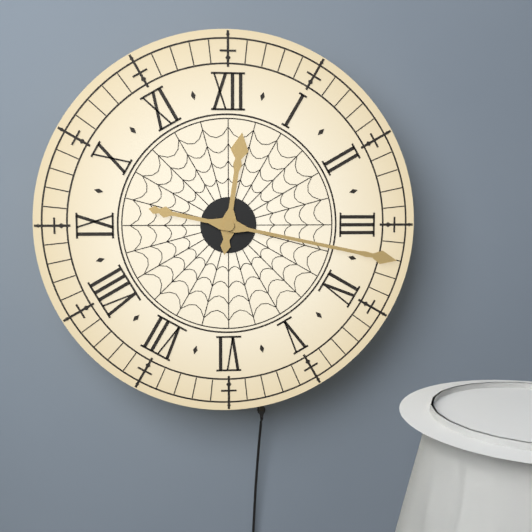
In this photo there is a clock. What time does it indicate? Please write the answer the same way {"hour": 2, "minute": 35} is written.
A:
{"hour": 12, "minute": 17}
